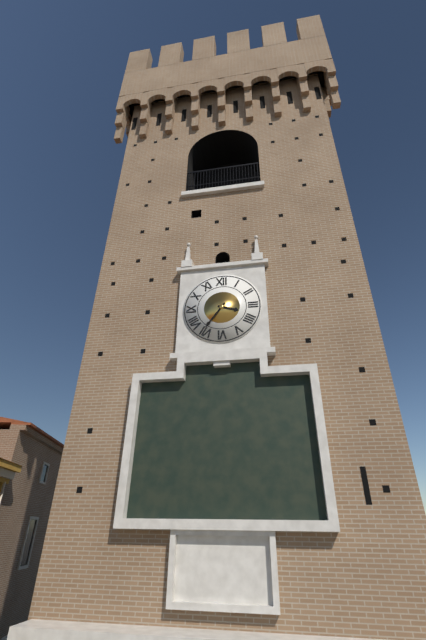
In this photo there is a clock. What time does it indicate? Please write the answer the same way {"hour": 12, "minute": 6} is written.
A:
{"hour": 3, "minute": 36}
